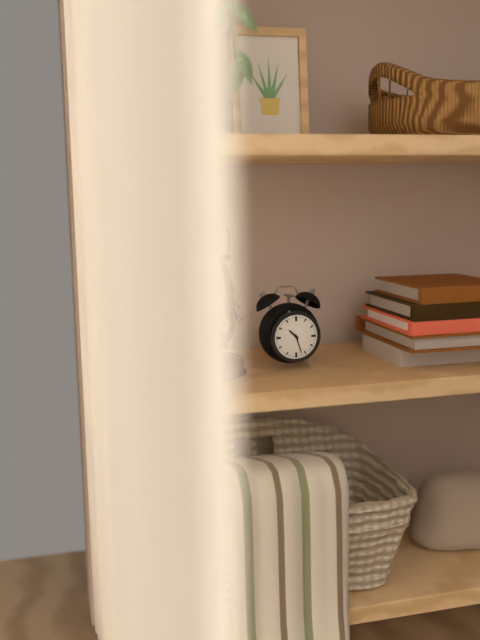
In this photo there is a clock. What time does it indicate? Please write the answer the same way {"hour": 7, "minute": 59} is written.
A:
{"hour": 10, "minute": 27}
